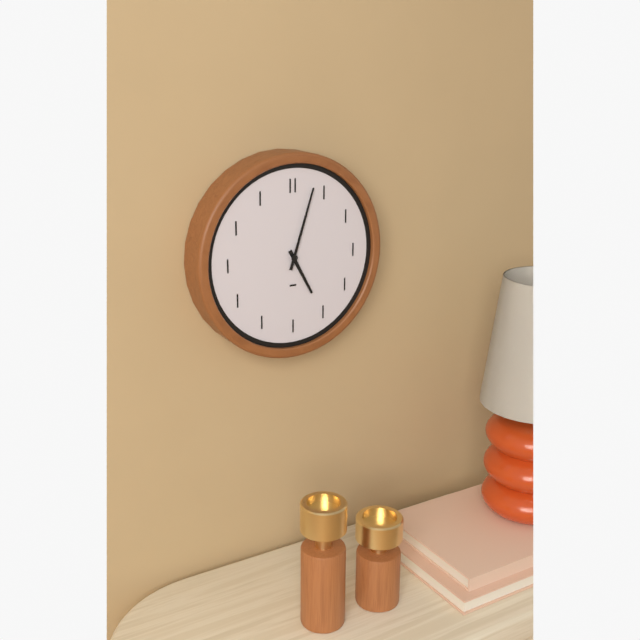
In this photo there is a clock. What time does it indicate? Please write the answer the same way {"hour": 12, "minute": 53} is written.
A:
{"hour": 5, "minute": 3}
